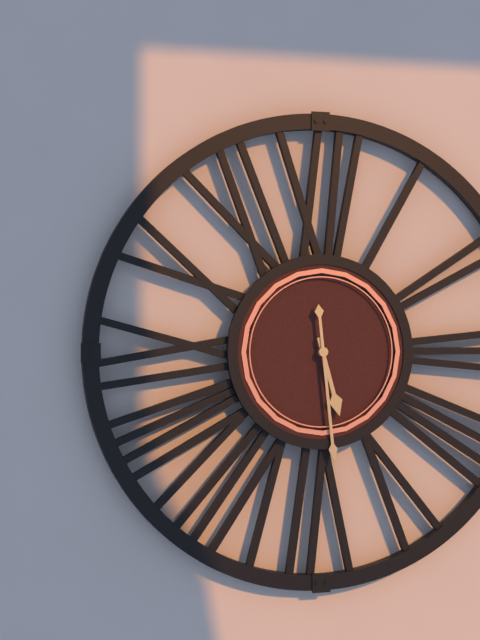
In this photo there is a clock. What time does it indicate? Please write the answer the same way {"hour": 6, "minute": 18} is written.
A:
{"hour": 5, "minute": 29}
